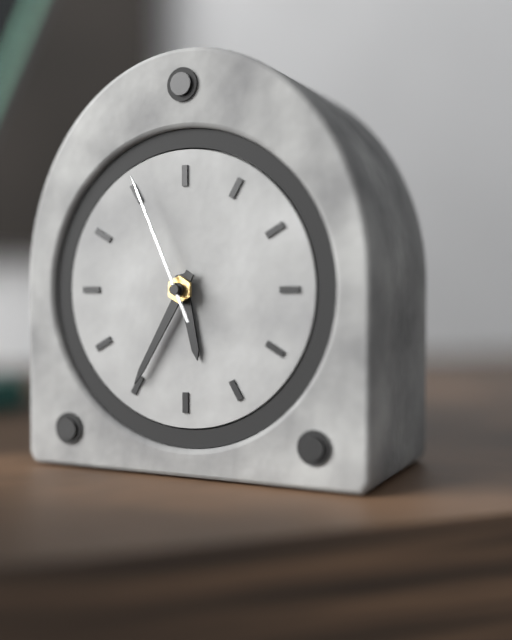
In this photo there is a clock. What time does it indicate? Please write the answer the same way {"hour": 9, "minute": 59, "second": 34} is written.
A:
{"hour": 5, "minute": 35, "second": 56}
